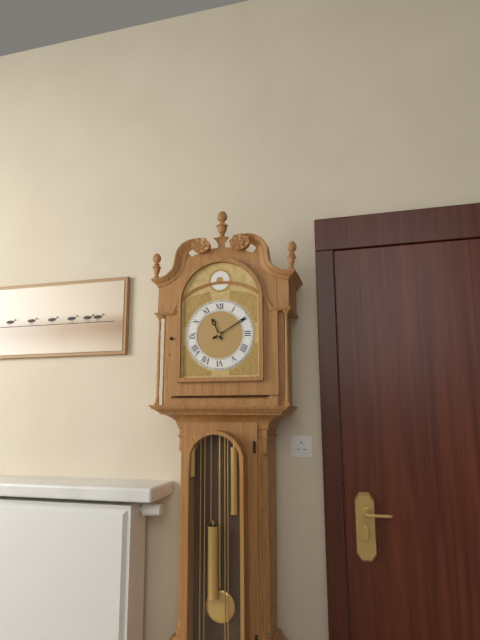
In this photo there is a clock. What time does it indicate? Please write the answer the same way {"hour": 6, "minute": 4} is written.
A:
{"hour": 11, "minute": 10}
